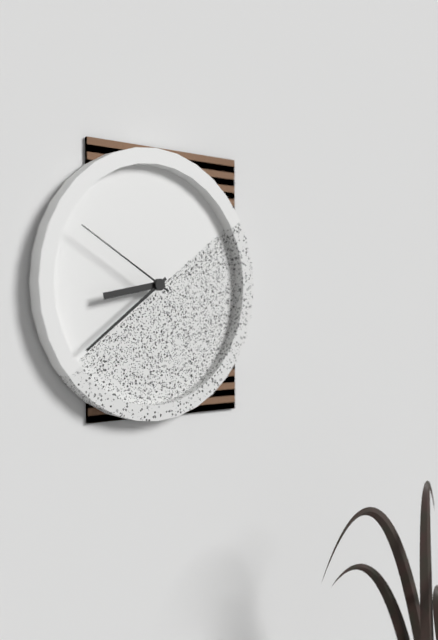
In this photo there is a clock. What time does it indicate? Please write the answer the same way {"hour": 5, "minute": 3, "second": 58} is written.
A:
{"hour": 8, "minute": 39, "second": 50}
